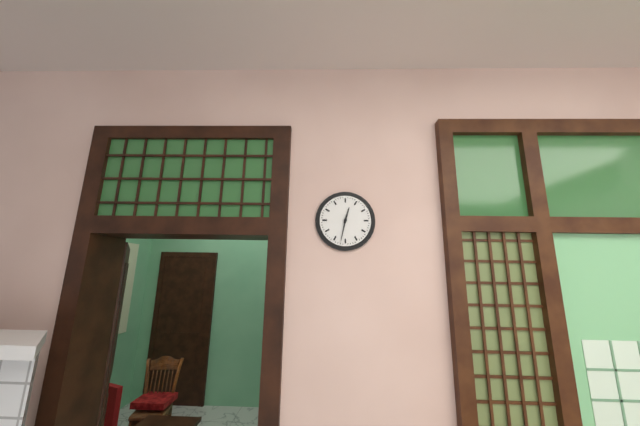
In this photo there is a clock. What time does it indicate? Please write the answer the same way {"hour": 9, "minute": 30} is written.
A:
{"hour": 12, "minute": 32}
